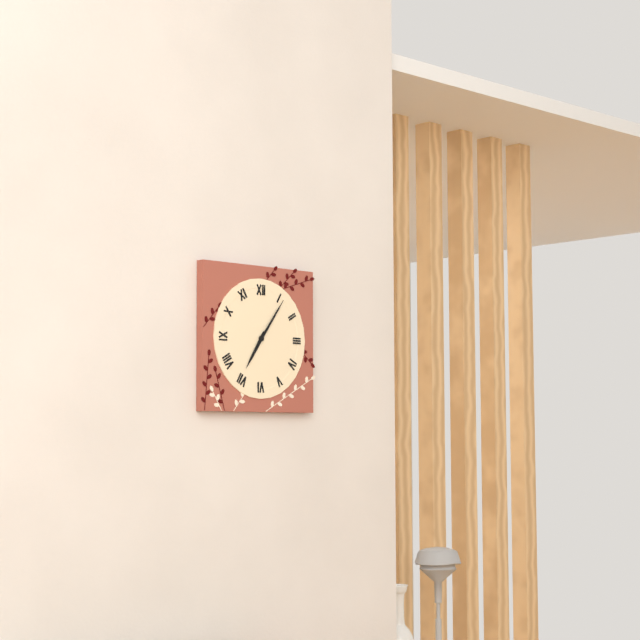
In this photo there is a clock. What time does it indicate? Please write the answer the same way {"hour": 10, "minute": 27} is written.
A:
{"hour": 7, "minute": 6}
